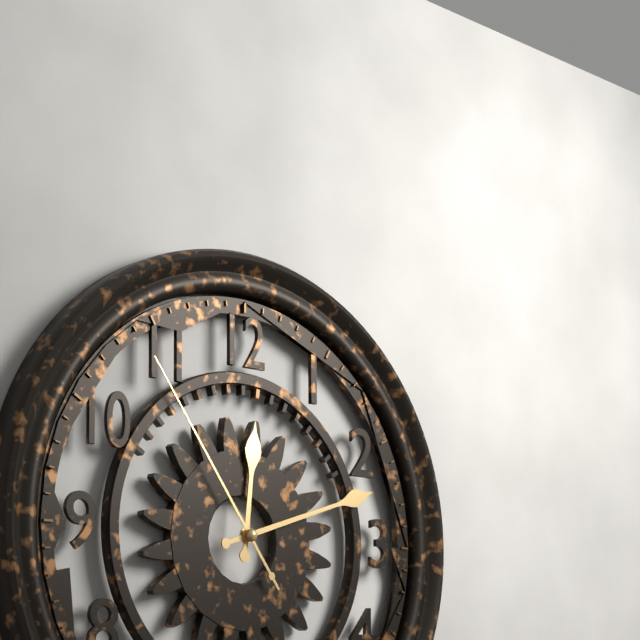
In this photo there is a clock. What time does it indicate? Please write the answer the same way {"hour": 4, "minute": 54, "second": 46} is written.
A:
{"hour": 12, "minute": 12, "second": 54}
